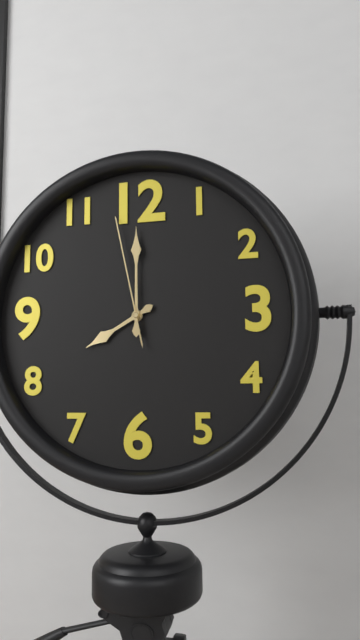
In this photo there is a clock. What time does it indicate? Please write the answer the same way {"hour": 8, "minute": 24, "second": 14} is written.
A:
{"hour": 8, "minute": 0, "second": 58}
